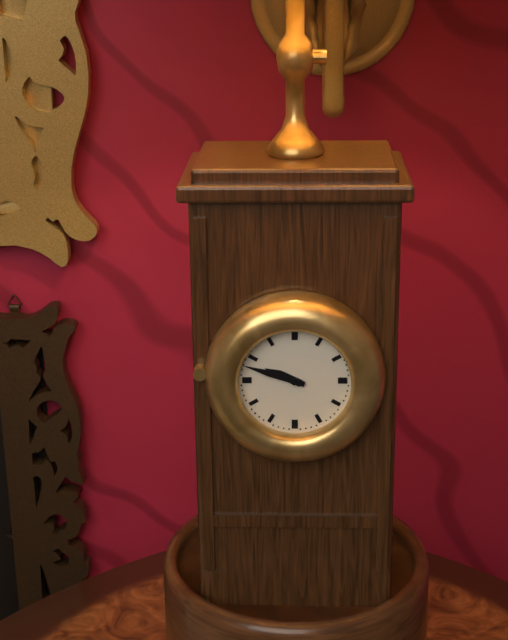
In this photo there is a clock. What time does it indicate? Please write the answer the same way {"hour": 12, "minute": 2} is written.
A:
{"hour": 9, "minute": 48}
